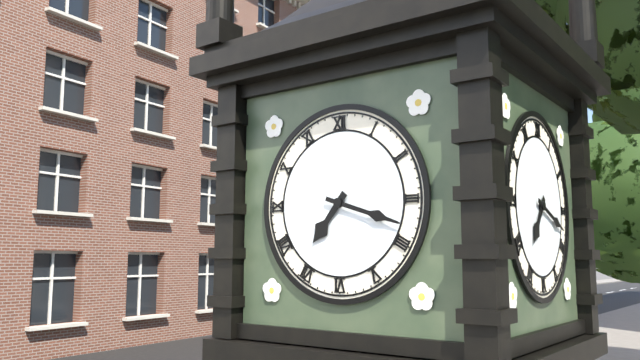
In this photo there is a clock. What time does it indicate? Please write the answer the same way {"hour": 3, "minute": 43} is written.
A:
{"hour": 7, "minute": 18}
